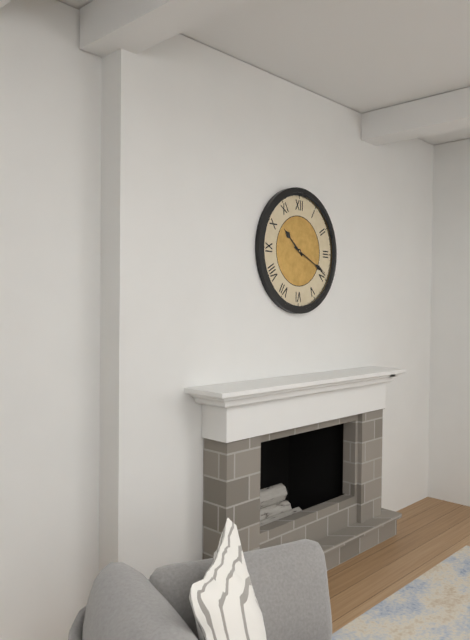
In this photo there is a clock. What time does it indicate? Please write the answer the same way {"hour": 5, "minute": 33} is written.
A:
{"hour": 10, "minute": 19}
